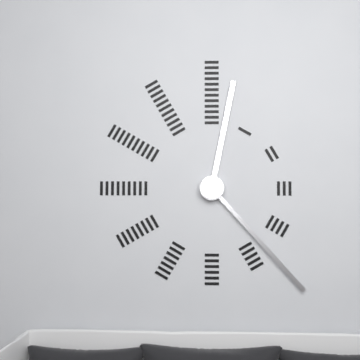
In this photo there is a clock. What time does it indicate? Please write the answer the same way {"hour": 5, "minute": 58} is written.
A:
{"hour": 12, "minute": 23}
